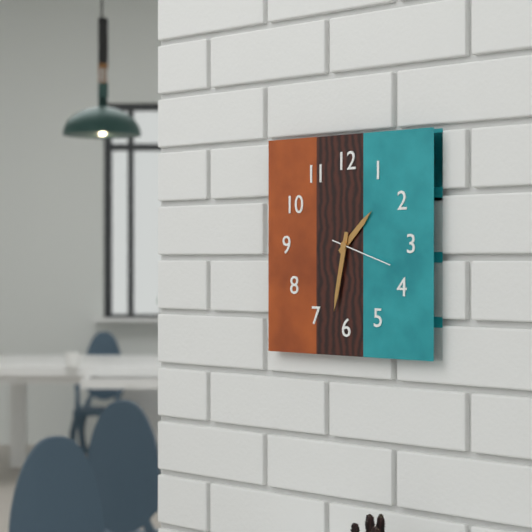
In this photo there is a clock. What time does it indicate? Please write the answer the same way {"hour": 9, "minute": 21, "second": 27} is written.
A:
{"hour": 1, "minute": 32, "second": 18}
